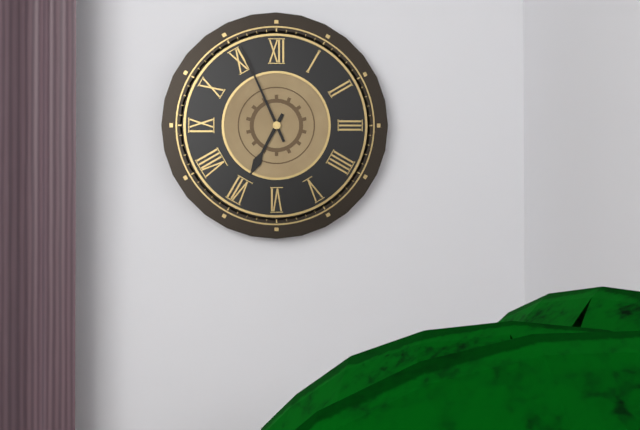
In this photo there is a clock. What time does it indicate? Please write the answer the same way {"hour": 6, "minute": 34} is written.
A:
{"hour": 6, "minute": 56}
